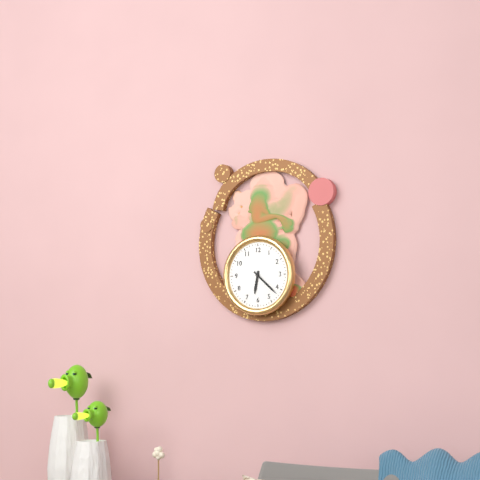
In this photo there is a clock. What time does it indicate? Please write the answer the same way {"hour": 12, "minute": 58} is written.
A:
{"hour": 6, "minute": 22}
